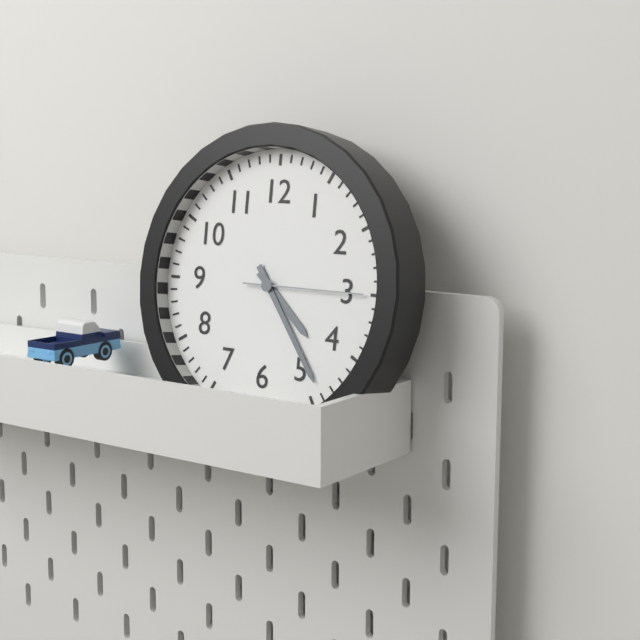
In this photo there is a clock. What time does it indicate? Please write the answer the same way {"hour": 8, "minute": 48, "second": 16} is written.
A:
{"hour": 4, "minute": 24, "second": 15}
